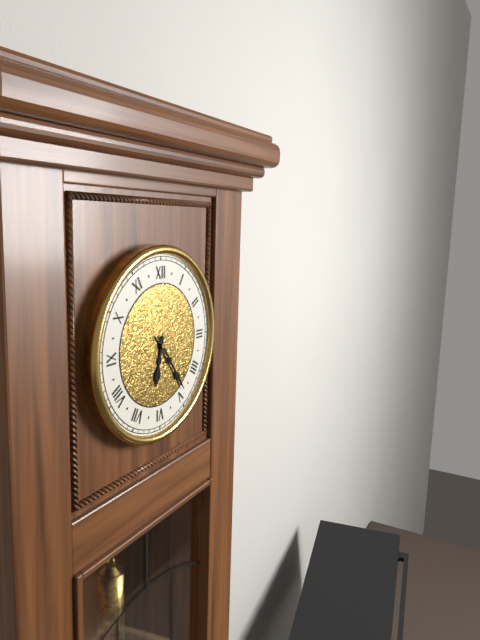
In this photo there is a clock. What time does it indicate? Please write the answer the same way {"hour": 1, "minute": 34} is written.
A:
{"hour": 6, "minute": 24}
